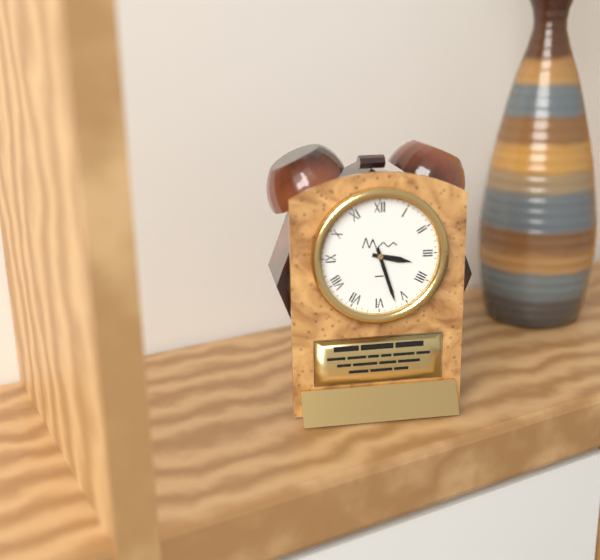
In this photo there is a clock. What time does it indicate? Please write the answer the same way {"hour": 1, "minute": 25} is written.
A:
{"hour": 3, "minute": 27}
